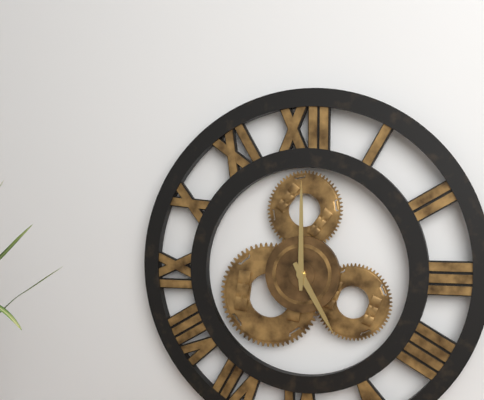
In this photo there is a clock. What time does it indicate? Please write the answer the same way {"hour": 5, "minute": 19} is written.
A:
{"hour": 5, "minute": 0}
